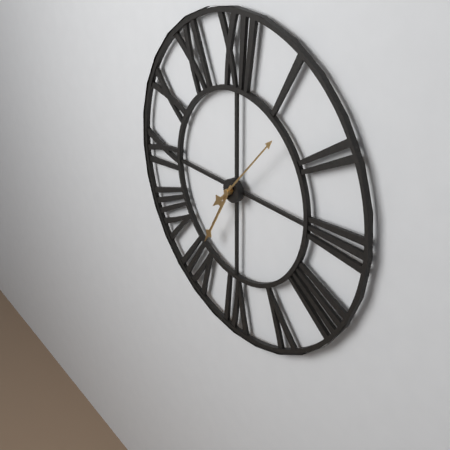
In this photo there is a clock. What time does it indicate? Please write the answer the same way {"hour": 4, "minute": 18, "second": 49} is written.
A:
{"hour": 7, "minute": 35, "second": 7}
